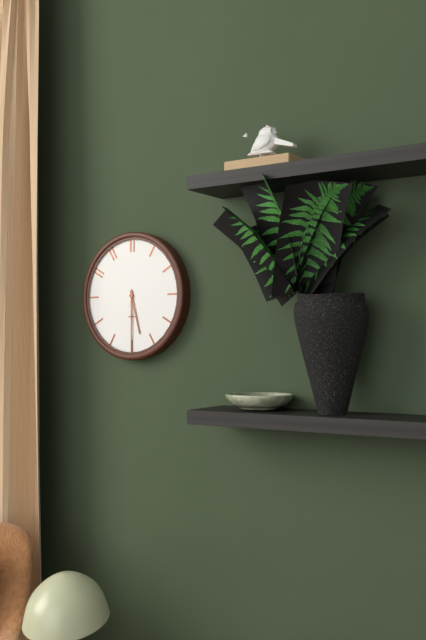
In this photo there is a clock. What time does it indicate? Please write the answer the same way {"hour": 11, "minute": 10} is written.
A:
{"hour": 5, "minute": 30}
